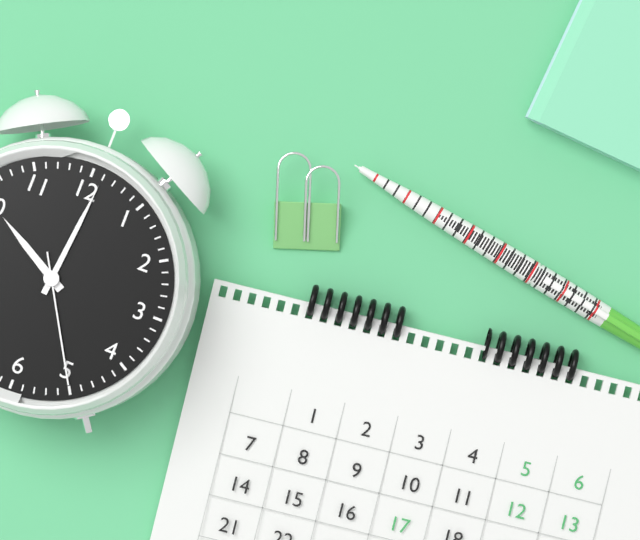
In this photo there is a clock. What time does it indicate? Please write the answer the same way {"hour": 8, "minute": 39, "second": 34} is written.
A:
{"hour": 10, "minute": 1, "second": 25}
